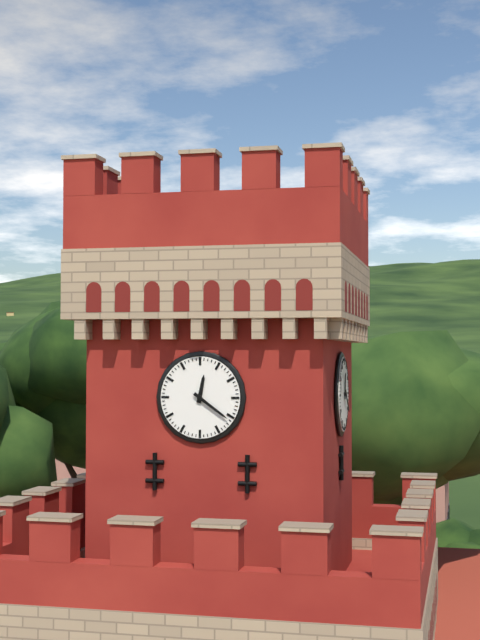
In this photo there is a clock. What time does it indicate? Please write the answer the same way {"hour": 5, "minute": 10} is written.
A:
{"hour": 12, "minute": 21}
